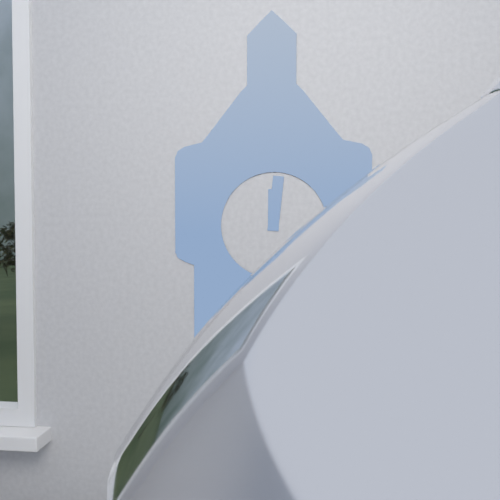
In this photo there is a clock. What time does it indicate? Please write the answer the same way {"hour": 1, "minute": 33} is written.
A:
{"hour": 12, "minute": 1}
